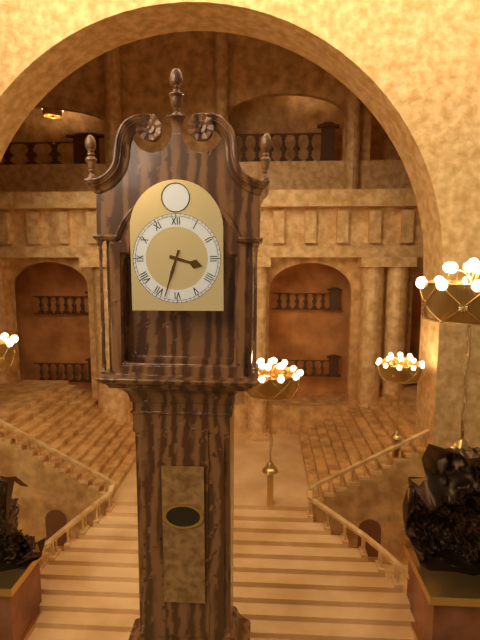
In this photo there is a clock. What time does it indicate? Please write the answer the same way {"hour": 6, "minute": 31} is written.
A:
{"hour": 3, "minute": 33}
